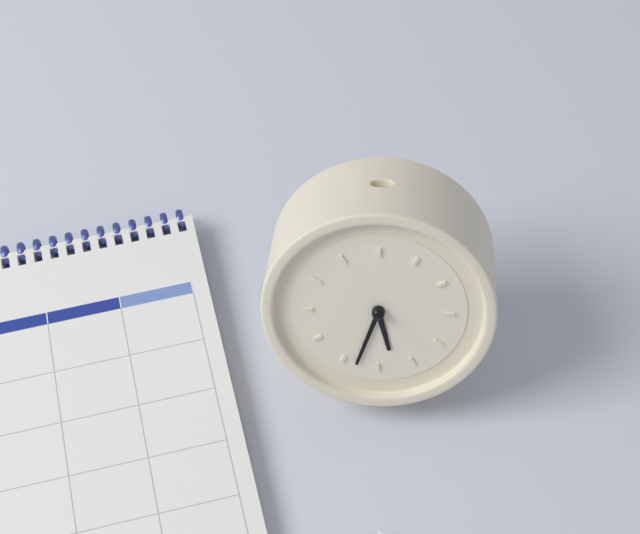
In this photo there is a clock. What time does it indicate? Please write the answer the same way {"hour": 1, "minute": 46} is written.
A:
{"hour": 5, "minute": 33}
